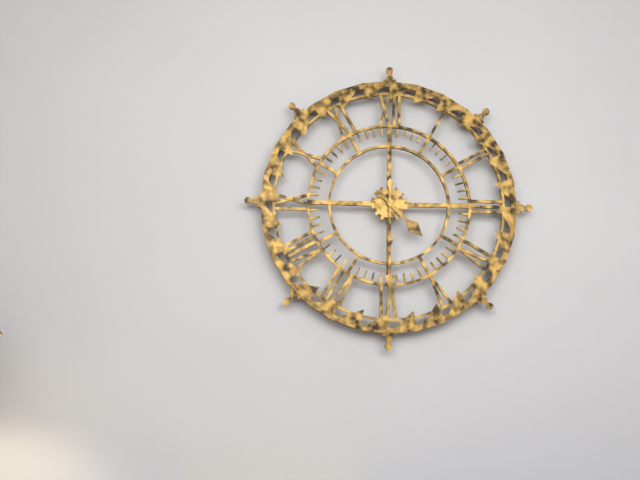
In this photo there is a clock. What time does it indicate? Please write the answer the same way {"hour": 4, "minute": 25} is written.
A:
{"hour": 4, "minute": 30}
